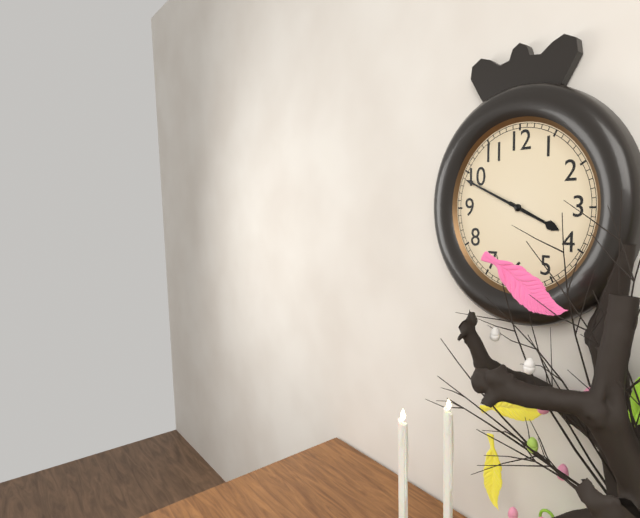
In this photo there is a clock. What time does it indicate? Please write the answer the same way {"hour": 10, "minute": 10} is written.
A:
{"hour": 3, "minute": 49}
